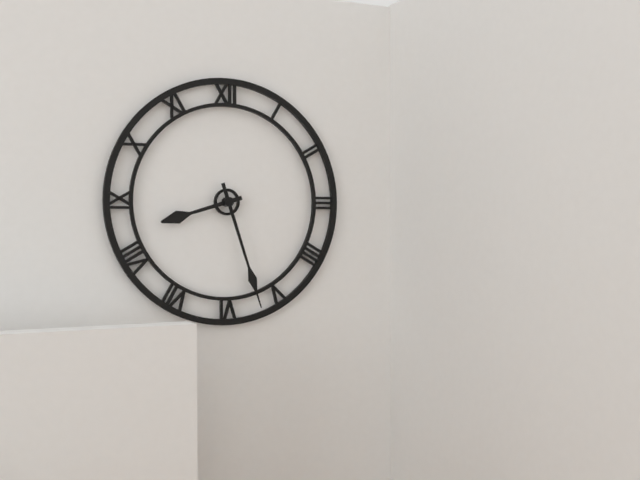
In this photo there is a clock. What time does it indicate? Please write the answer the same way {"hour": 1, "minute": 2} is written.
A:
{"hour": 8, "minute": 27}
